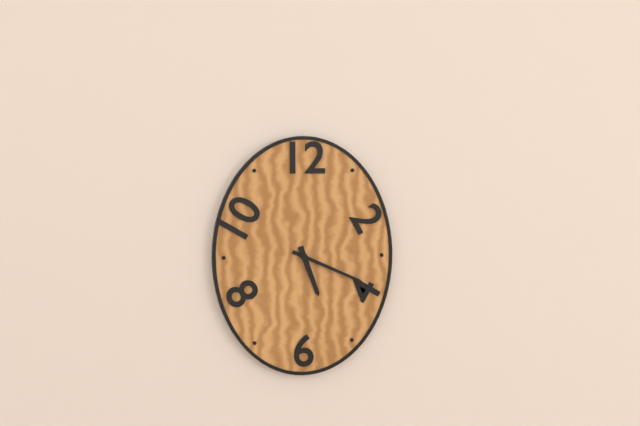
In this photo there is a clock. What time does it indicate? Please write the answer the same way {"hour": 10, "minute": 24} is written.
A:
{"hour": 5, "minute": 19}
